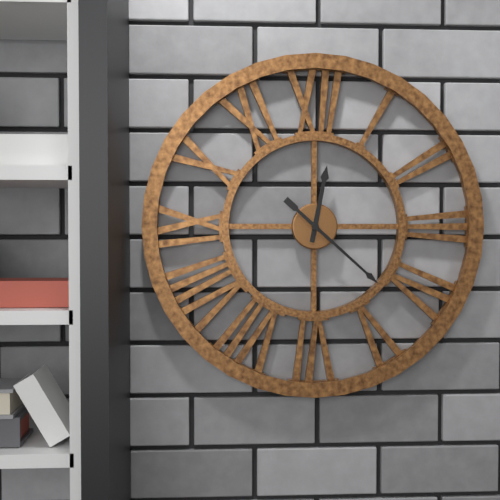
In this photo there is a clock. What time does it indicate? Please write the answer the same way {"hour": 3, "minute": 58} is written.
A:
{"hour": 12, "minute": 22}
